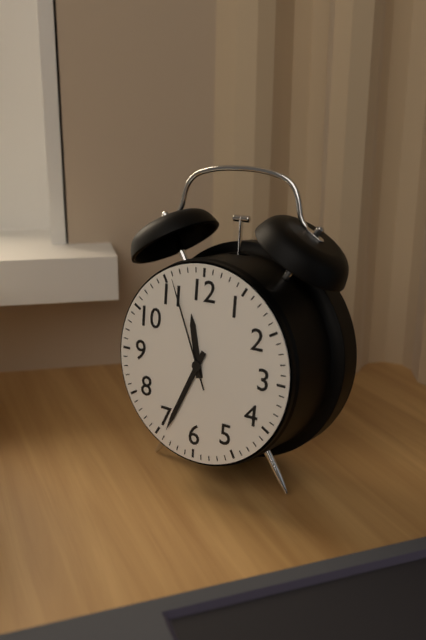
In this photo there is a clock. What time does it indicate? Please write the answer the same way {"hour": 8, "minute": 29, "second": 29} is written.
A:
{"hour": 11, "minute": 34, "second": 56}
